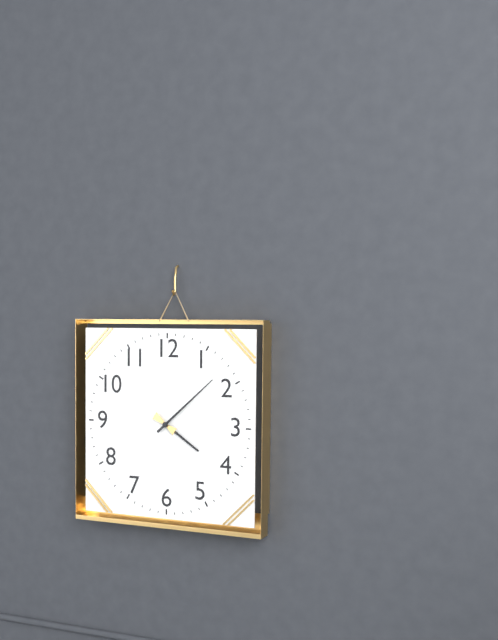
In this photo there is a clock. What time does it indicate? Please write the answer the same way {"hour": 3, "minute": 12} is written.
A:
{"hour": 4, "minute": 8}
